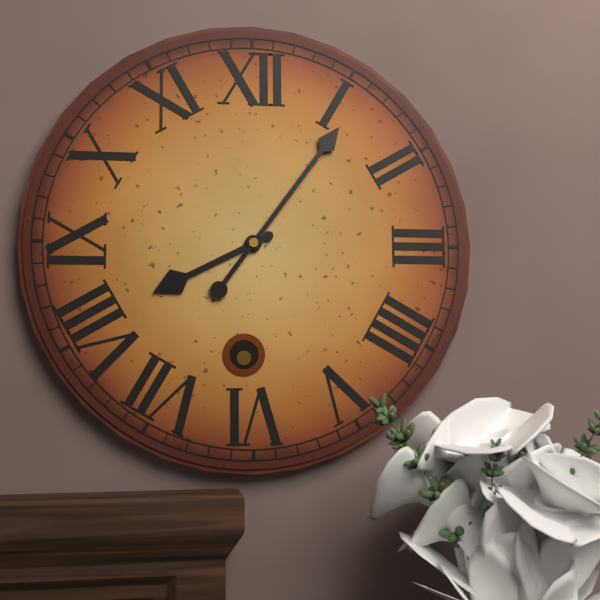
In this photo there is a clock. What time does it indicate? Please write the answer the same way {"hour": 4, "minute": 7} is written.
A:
{"hour": 8, "minute": 6}
